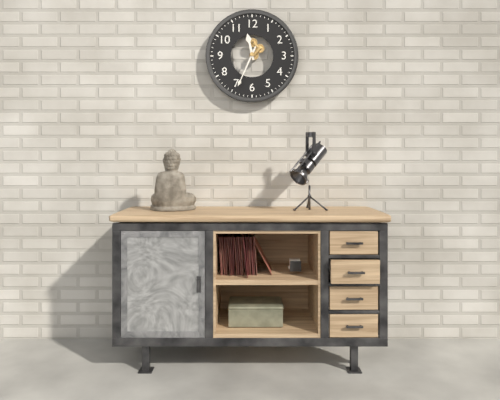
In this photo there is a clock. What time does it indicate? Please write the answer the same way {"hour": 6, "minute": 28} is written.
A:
{"hour": 11, "minute": 34}
